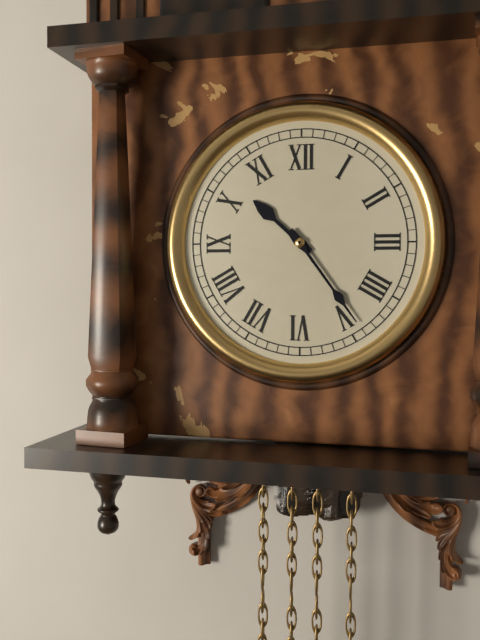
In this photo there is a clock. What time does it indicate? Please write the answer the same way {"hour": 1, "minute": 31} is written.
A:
{"hour": 10, "minute": 24}
